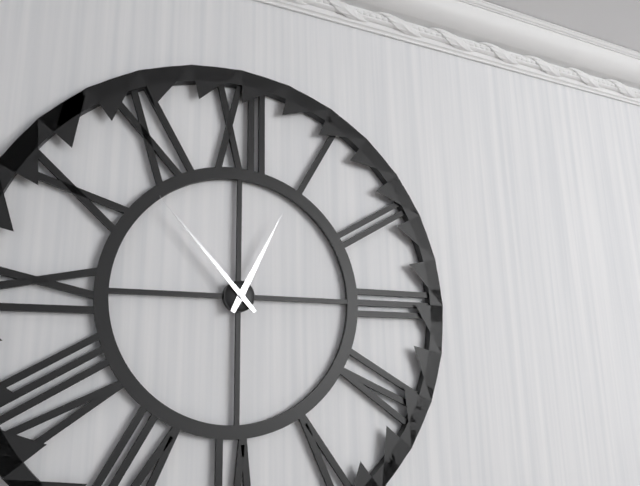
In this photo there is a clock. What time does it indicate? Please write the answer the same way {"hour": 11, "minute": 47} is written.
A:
{"hour": 12, "minute": 53}
